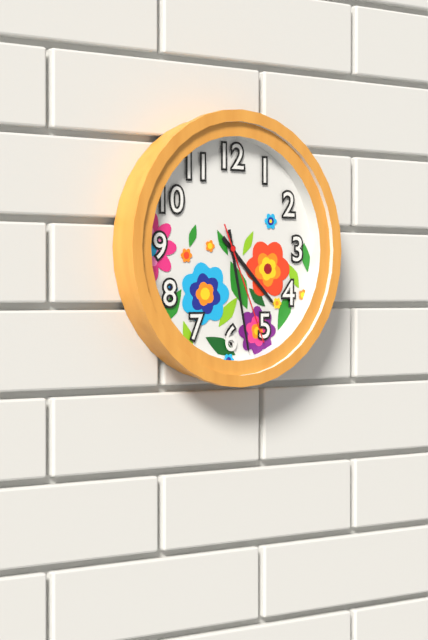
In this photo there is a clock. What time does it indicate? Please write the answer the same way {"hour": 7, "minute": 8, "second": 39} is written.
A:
{"hour": 4, "minute": 28, "second": 26}
